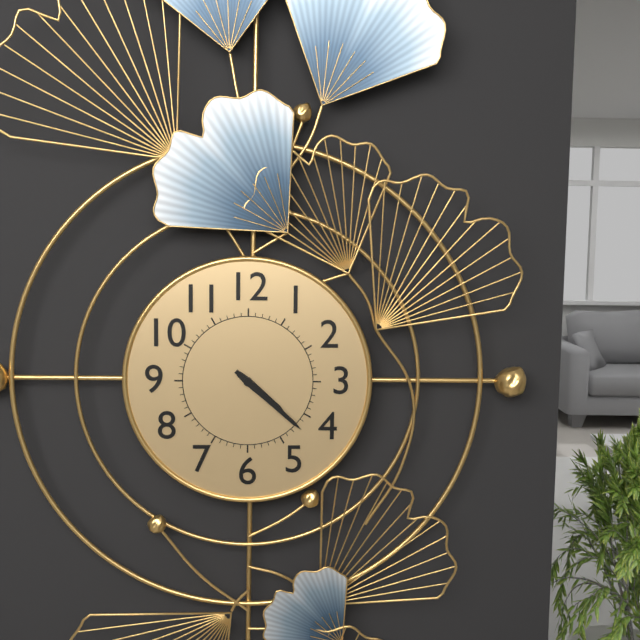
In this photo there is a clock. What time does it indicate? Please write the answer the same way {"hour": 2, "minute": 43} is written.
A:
{"hour": 4, "minute": 22}
